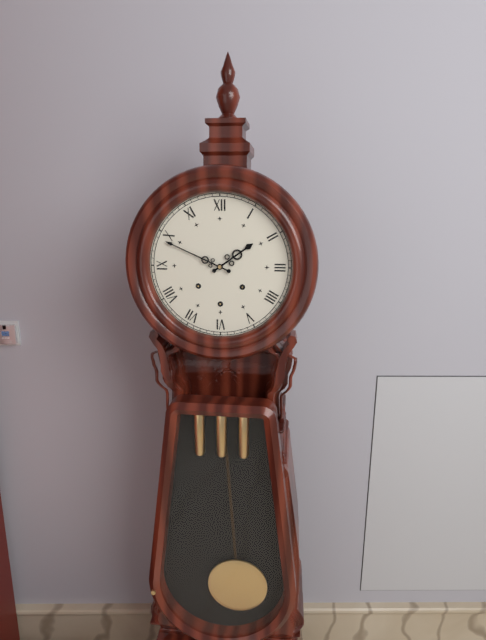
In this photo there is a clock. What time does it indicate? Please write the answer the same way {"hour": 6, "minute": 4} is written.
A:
{"hour": 1, "minute": 49}
